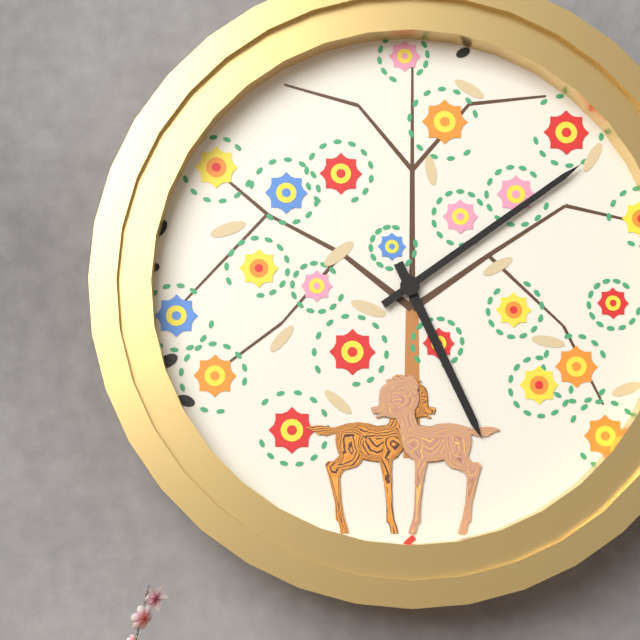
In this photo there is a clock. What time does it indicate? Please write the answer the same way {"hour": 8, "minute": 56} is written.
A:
{"hour": 5, "minute": 9}
